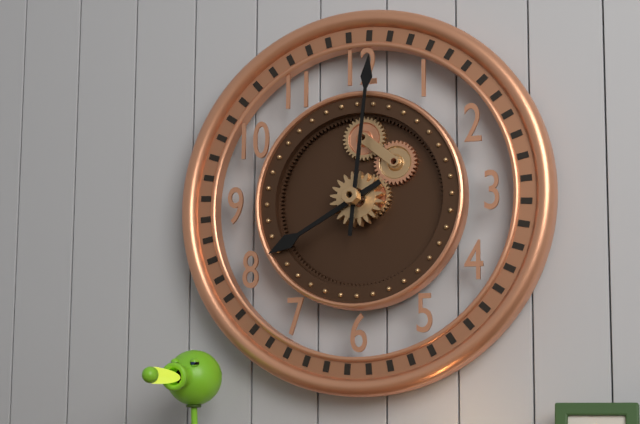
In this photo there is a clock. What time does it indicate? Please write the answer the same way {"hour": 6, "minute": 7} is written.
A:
{"hour": 8, "minute": 1}
